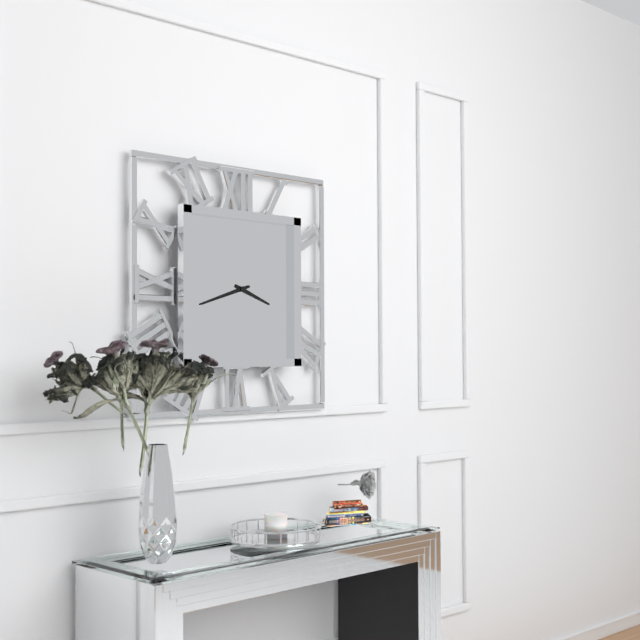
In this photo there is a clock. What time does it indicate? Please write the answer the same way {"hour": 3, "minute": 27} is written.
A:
{"hour": 3, "minute": 42}
